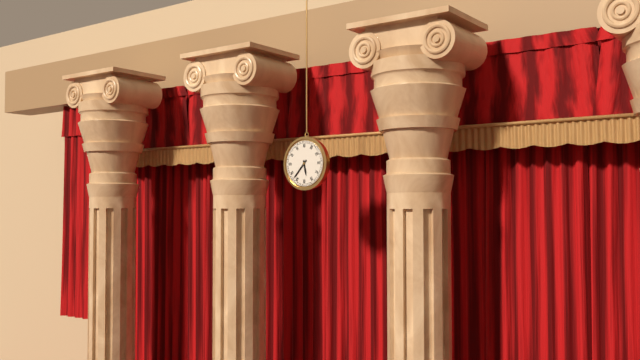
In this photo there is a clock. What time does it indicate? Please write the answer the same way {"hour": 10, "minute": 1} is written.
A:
{"hour": 5, "minute": 37}
